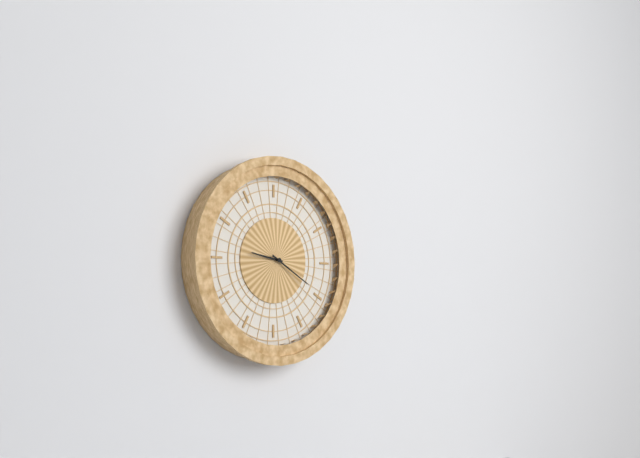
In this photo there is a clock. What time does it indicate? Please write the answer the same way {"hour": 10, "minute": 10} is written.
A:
{"hour": 9, "minute": 20}
